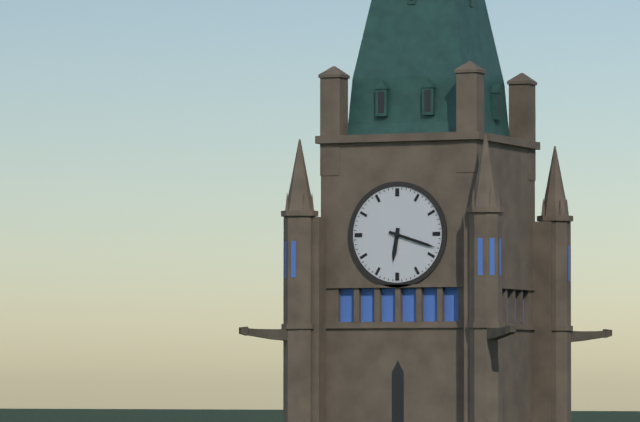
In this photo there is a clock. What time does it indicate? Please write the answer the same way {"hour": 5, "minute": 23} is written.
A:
{"hour": 6, "minute": 18}
